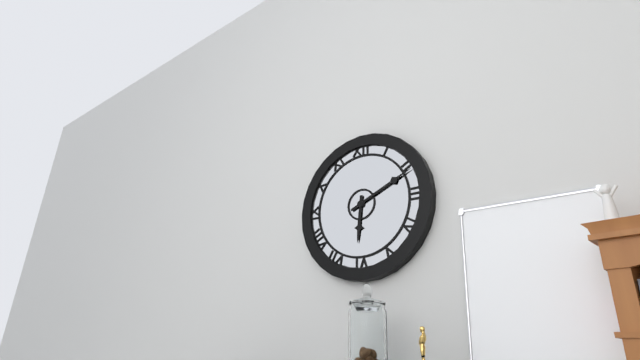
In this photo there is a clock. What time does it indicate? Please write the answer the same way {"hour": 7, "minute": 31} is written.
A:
{"hour": 6, "minute": 11}
